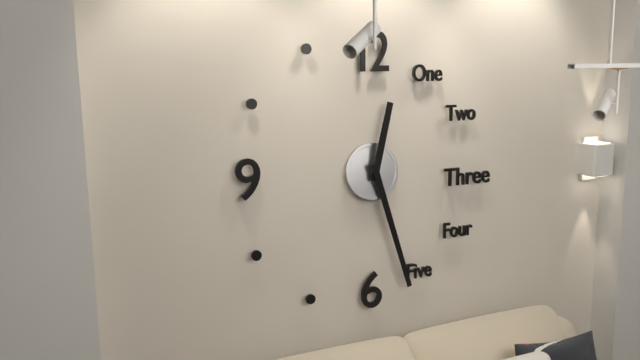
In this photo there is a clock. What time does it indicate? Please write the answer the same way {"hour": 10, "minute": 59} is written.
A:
{"hour": 12, "minute": 27}
